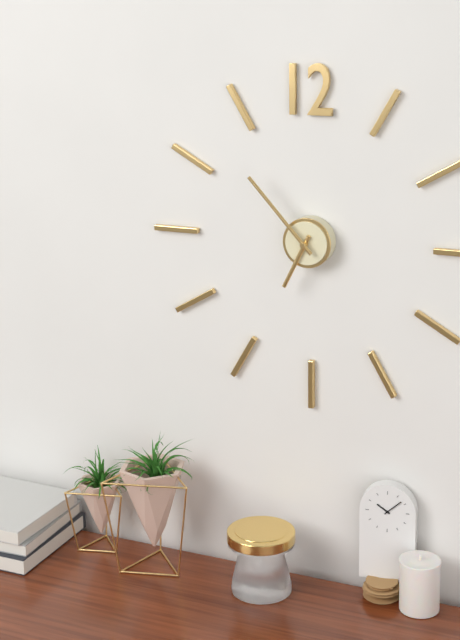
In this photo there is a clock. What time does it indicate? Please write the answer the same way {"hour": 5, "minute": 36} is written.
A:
{"hour": 6, "minute": 53}
